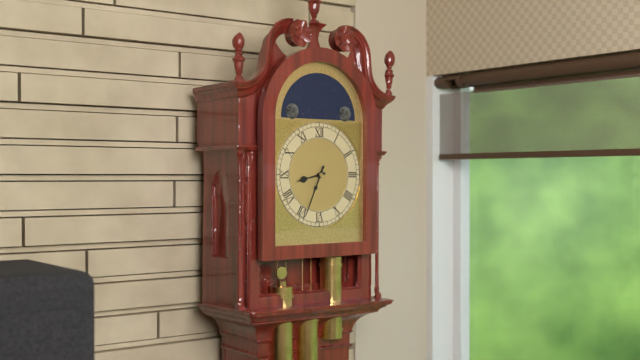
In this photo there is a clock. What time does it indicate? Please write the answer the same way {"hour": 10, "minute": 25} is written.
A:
{"hour": 8, "minute": 34}
